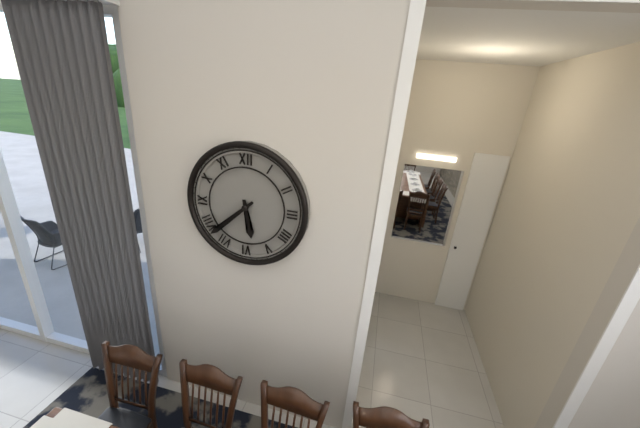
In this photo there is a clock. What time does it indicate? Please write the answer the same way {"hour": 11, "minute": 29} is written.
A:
{"hour": 5, "minute": 38}
